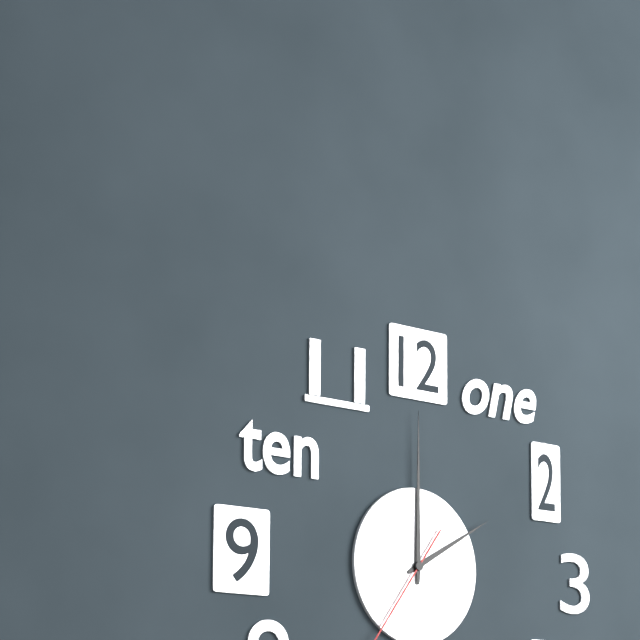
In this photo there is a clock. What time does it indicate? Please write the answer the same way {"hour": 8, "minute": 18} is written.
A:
{"hour": 2, "minute": 0}
